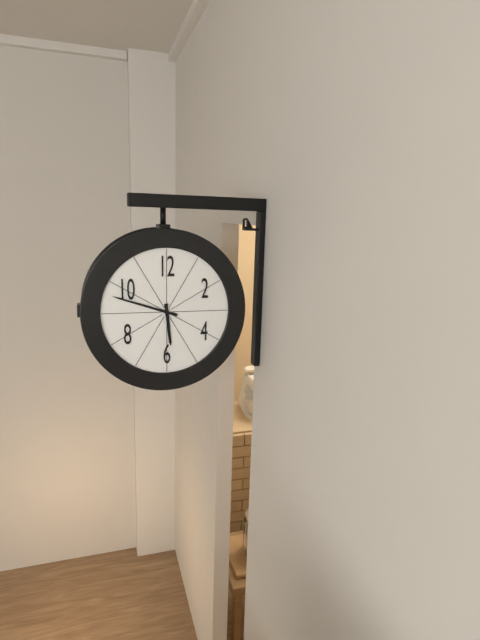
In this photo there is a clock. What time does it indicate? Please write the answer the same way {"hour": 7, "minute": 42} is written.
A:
{"hour": 5, "minute": 48}
